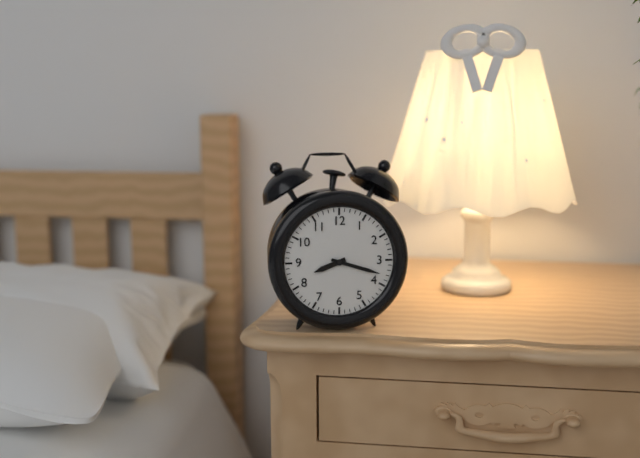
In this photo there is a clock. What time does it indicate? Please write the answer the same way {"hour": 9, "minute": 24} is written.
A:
{"hour": 8, "minute": 18}
